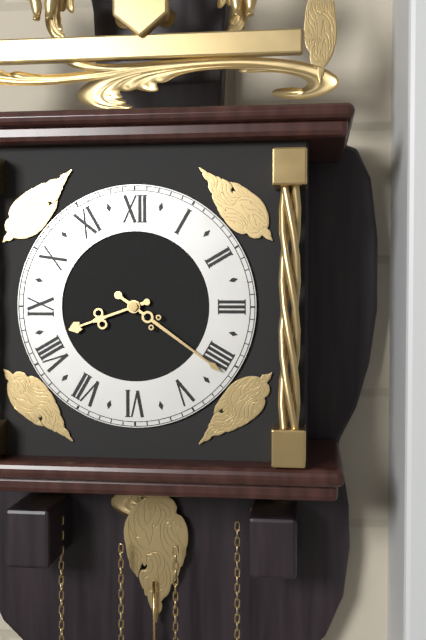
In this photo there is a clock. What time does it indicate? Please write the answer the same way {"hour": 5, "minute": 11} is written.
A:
{"hour": 8, "minute": 21}
